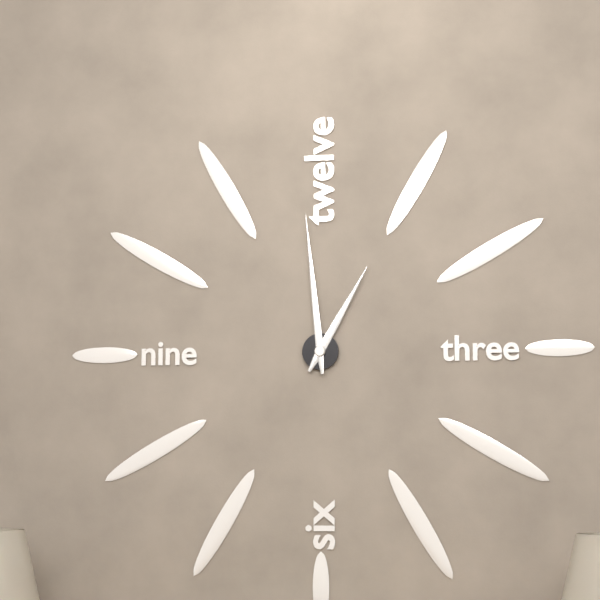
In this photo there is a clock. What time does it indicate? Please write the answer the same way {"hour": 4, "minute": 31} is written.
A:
{"hour": 12, "minute": 59}
